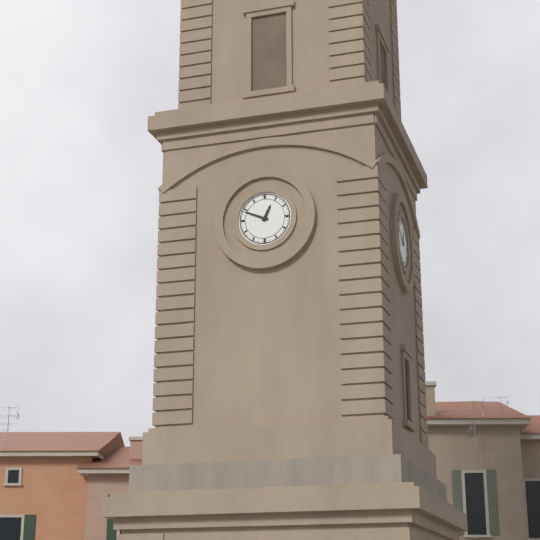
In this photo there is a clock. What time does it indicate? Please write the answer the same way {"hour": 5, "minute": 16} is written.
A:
{"hour": 12, "minute": 49}
